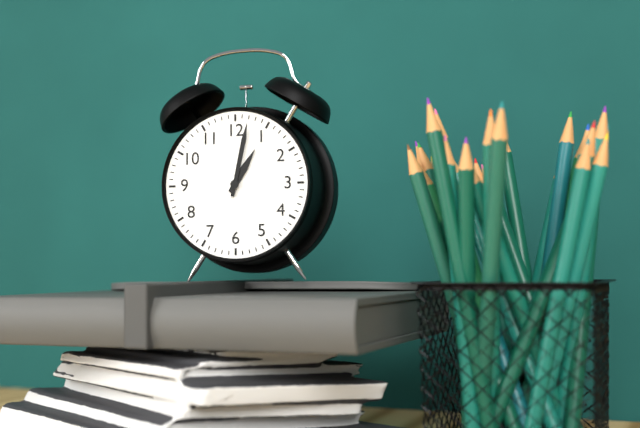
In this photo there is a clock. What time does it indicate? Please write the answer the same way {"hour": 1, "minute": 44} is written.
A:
{"hour": 1, "minute": 2}
